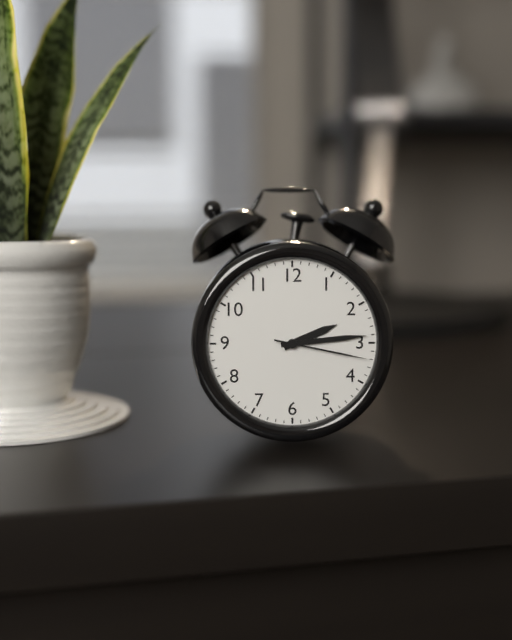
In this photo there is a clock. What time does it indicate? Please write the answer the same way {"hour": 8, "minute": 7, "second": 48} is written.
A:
{"hour": 2, "minute": 14, "second": 17}
